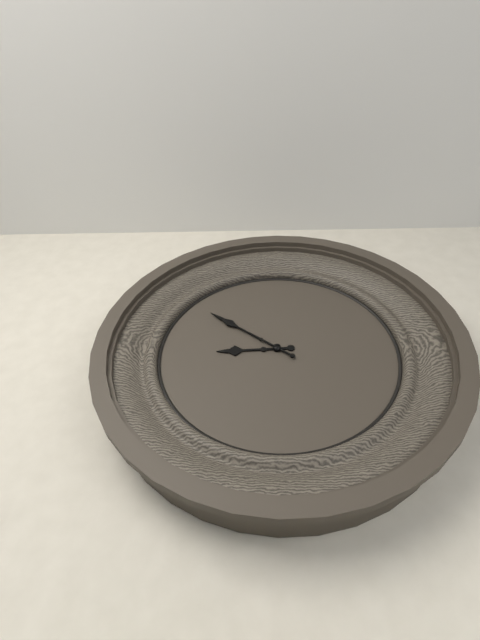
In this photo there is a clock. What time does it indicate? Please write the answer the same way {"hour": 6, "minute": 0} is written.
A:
{"hour": 8, "minute": 51}
